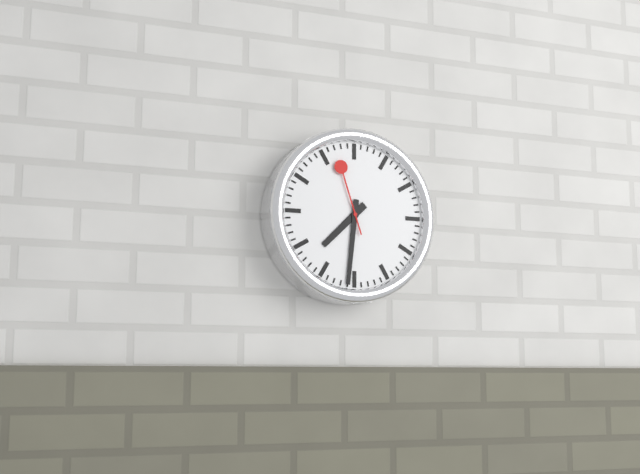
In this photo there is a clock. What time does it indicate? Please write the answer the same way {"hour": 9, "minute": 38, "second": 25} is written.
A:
{"hour": 7, "minute": 31, "second": 57}
